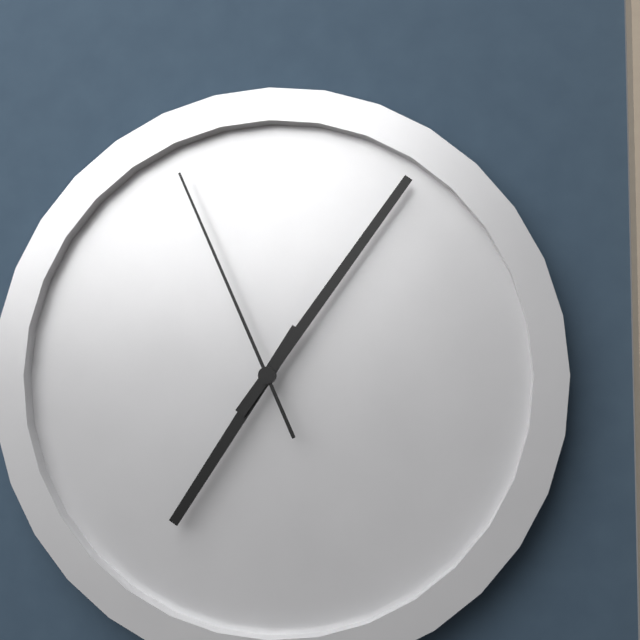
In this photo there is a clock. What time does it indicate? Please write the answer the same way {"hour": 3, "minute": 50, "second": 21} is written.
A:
{"hour": 7, "minute": 6, "second": 56}
